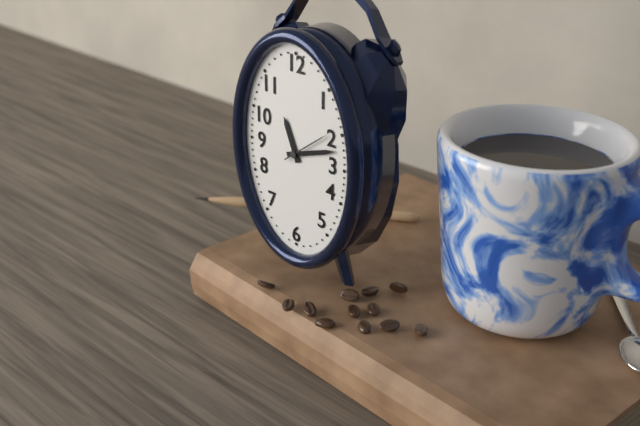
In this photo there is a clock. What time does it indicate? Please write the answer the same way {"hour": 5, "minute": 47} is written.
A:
{"hour": 11, "minute": 12}
